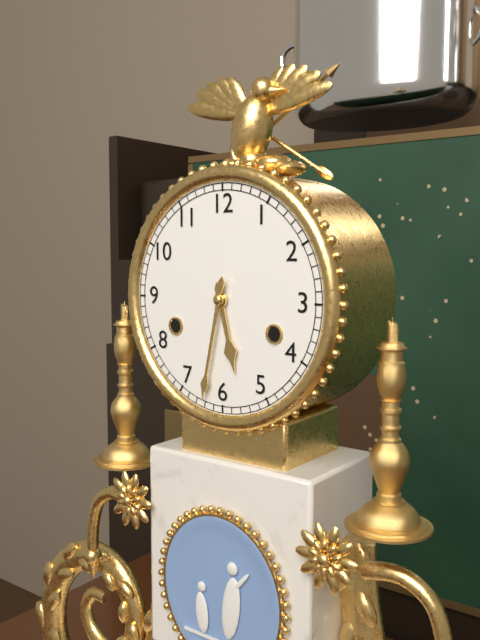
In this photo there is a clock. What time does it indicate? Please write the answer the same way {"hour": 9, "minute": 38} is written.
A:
{"hour": 5, "minute": 32}
